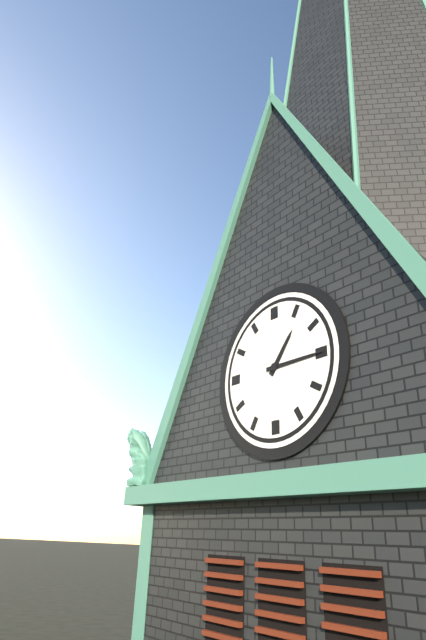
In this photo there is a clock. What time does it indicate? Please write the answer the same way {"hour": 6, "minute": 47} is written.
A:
{"hour": 1, "minute": 15}
